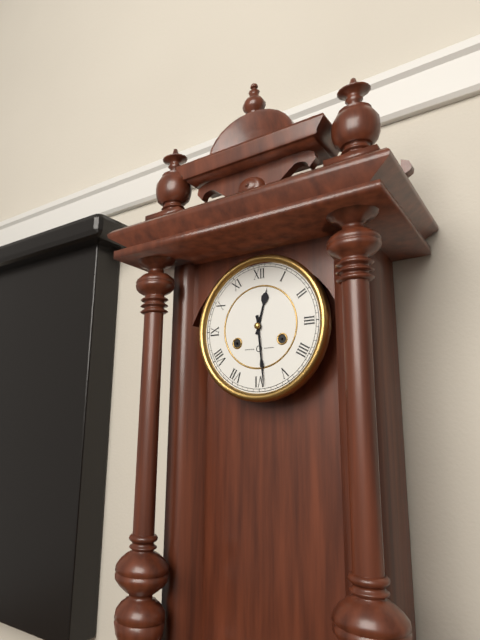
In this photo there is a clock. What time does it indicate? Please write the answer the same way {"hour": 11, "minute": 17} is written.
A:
{"hour": 12, "minute": 29}
